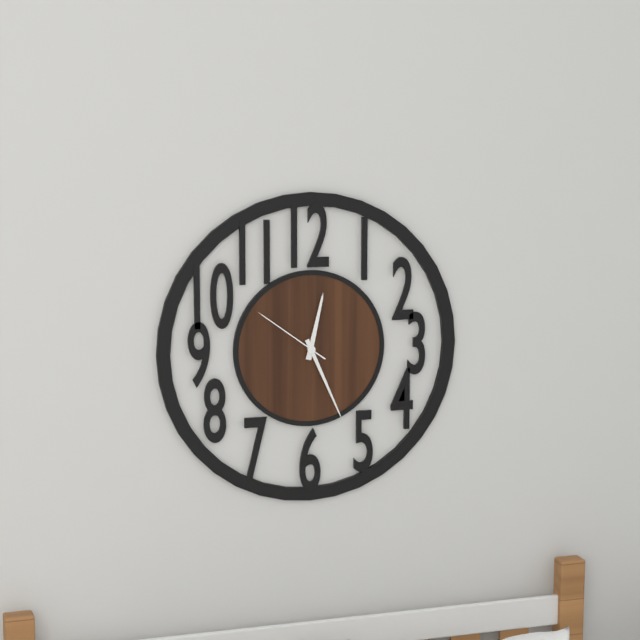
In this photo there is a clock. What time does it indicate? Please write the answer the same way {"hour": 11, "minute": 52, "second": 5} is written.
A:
{"hour": 12, "minute": 26, "second": 51}
